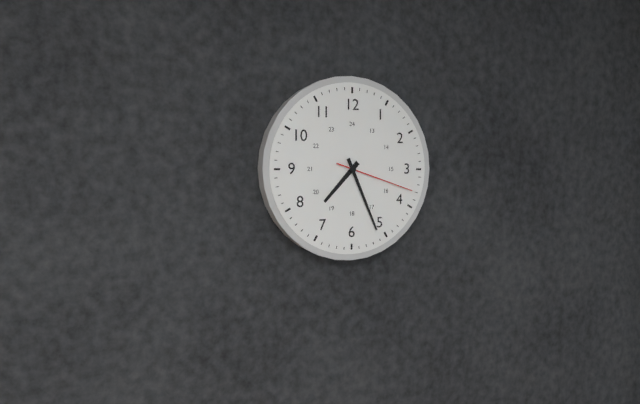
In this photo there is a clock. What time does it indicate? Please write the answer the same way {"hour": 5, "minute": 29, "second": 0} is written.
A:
{"hour": 7, "minute": 26, "second": 18}
